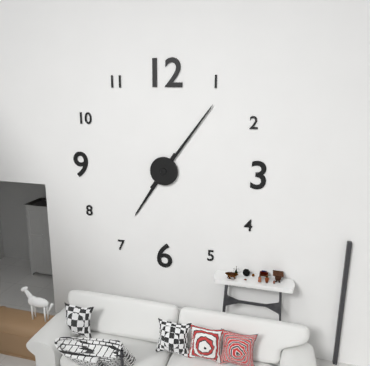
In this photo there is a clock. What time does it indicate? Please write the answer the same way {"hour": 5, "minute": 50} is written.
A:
{"hour": 7, "minute": 6}
